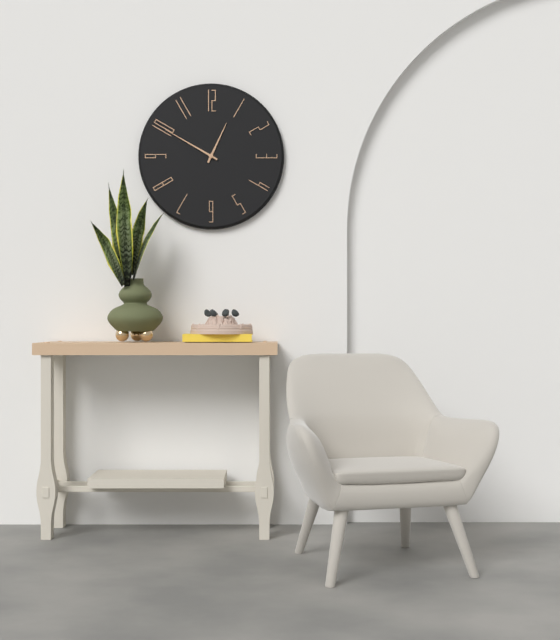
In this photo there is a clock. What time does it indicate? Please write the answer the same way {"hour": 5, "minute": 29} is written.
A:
{"hour": 12, "minute": 50}
